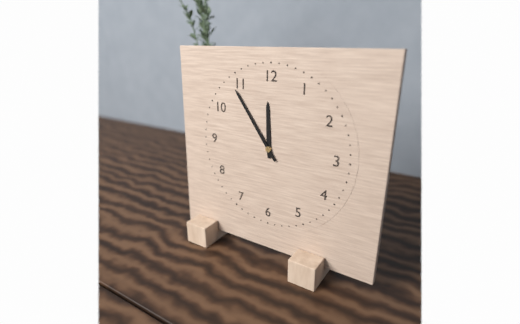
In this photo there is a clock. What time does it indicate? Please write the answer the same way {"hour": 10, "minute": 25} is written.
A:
{"hour": 11, "minute": 54}
